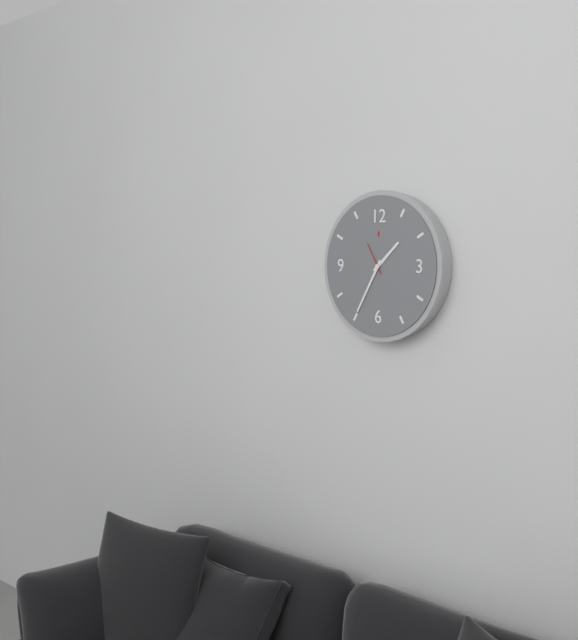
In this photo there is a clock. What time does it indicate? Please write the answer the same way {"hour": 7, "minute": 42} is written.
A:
{"hour": 1, "minute": 35}
